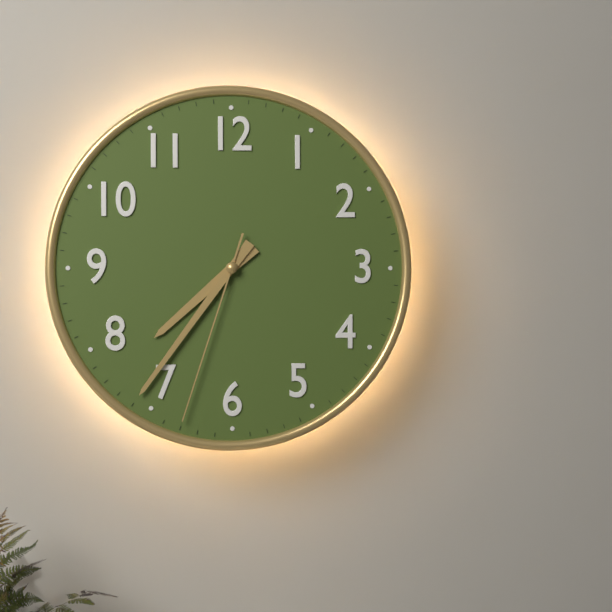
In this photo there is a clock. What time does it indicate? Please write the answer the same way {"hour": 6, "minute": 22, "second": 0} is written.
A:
{"hour": 7, "minute": 36, "second": 33}
